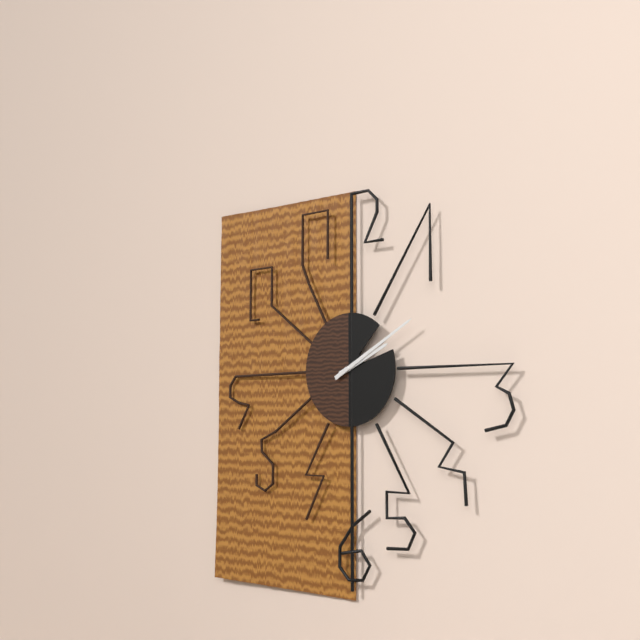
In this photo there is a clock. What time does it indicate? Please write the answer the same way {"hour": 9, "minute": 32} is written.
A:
{"hour": 2, "minute": 10}
